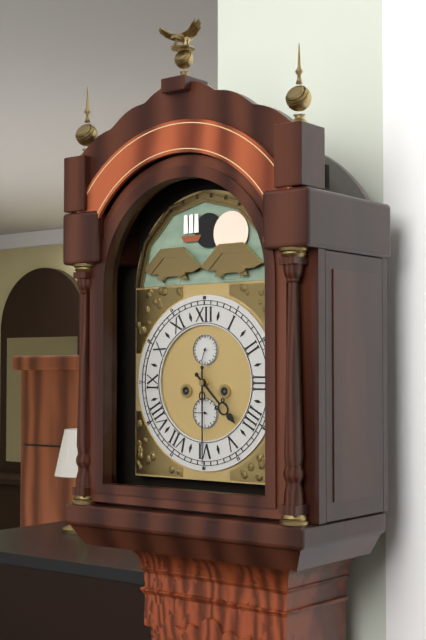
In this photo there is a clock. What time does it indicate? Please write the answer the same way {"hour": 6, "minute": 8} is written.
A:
{"hour": 4, "minute": 30}
